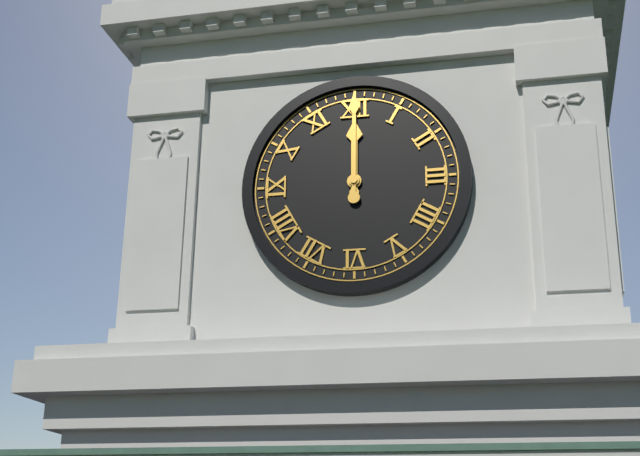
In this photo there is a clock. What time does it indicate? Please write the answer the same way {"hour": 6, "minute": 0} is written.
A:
{"hour": 12, "minute": 0}
